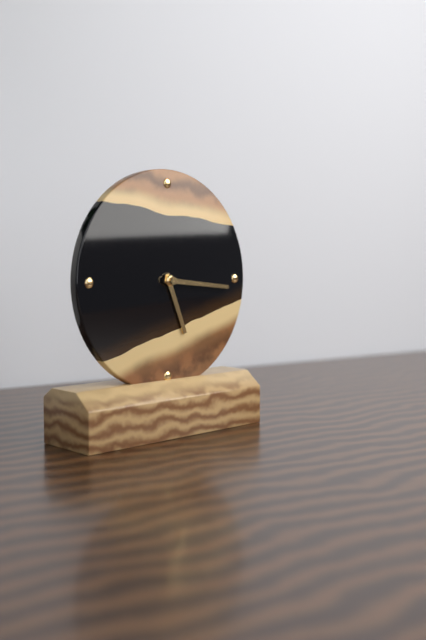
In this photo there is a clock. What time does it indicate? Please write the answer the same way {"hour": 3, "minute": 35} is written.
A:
{"hour": 5, "minute": 16}
